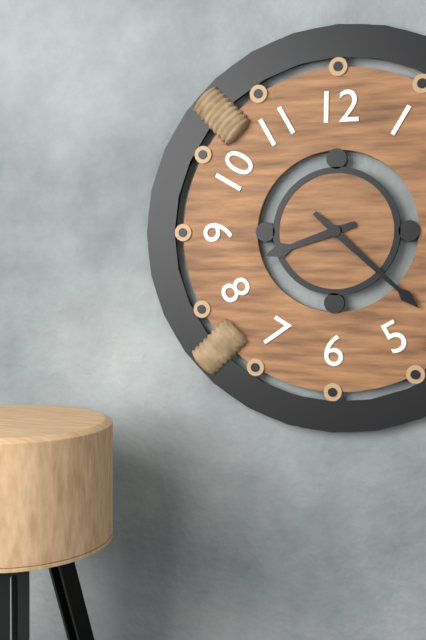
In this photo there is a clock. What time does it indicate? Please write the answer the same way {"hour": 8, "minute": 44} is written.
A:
{"hour": 8, "minute": 22}
